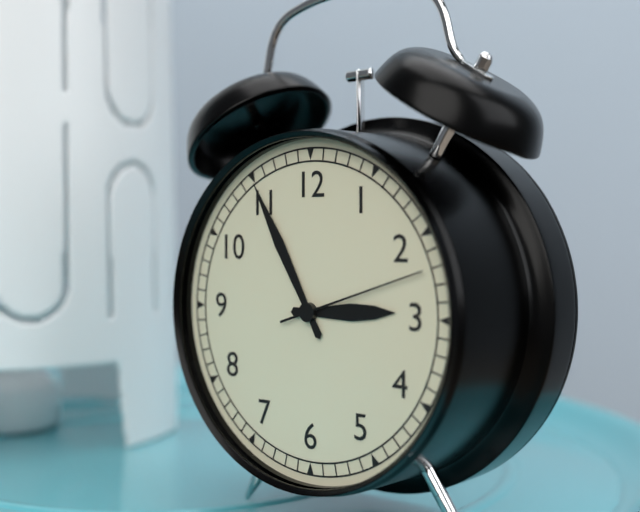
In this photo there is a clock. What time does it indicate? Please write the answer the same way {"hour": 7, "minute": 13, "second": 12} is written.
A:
{"hour": 2, "minute": 55, "second": 12}
